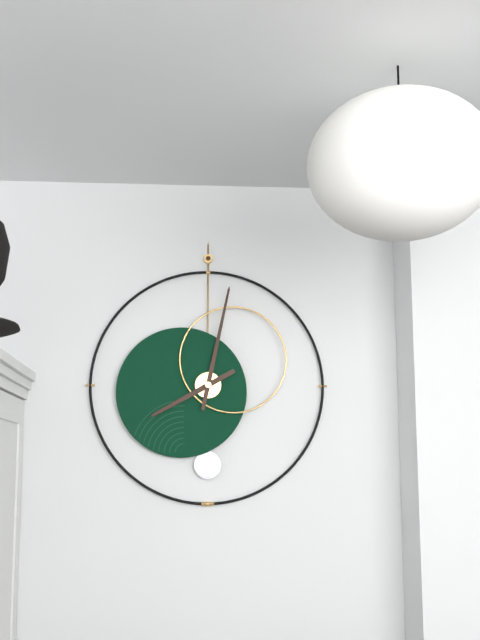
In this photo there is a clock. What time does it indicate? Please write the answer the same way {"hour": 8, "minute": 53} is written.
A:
{"hour": 8, "minute": 2}
